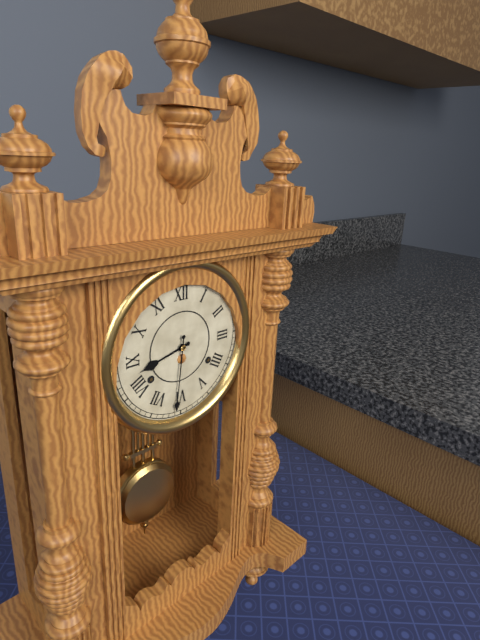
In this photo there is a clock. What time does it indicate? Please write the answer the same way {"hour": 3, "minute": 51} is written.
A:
{"hour": 8, "minute": 31}
